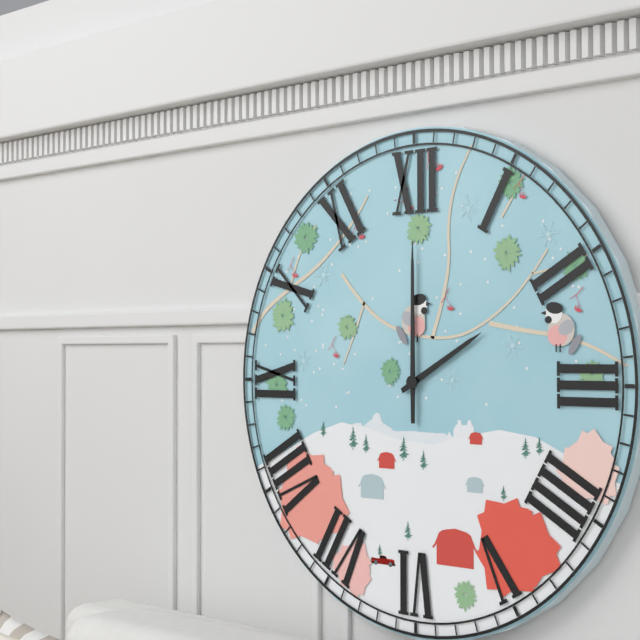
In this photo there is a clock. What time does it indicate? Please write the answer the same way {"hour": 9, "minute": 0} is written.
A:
{"hour": 2, "minute": 0}
